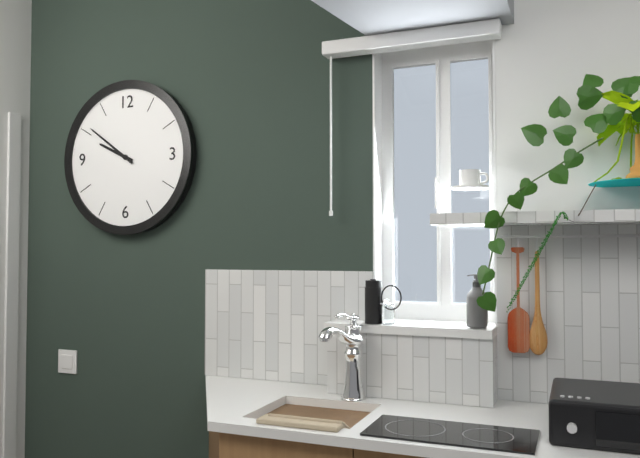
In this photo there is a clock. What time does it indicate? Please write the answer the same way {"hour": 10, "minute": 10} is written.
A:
{"hour": 9, "minute": 51}
